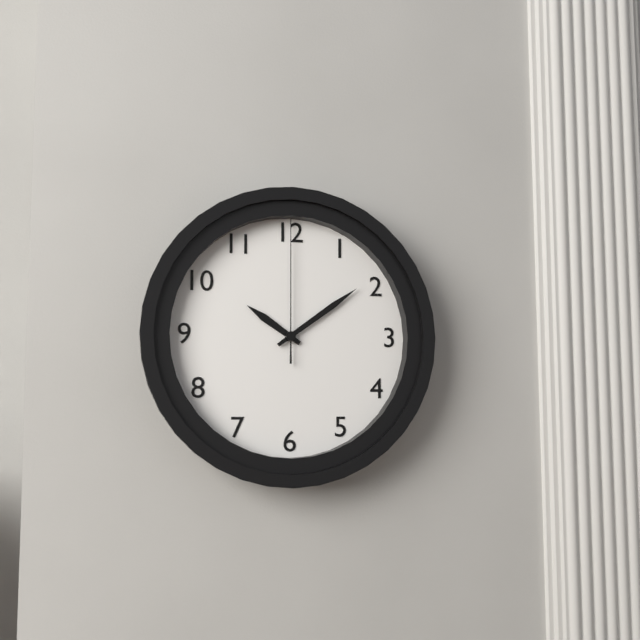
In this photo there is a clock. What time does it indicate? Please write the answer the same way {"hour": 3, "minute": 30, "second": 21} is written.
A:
{"hour": 10, "minute": 9, "second": 0}
